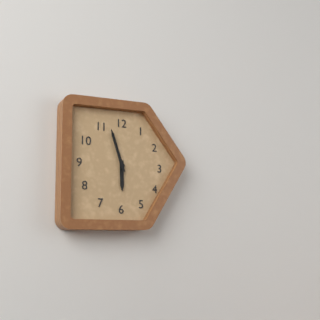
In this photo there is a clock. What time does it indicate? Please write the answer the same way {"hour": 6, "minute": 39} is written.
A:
{"hour": 5, "minute": 57}
